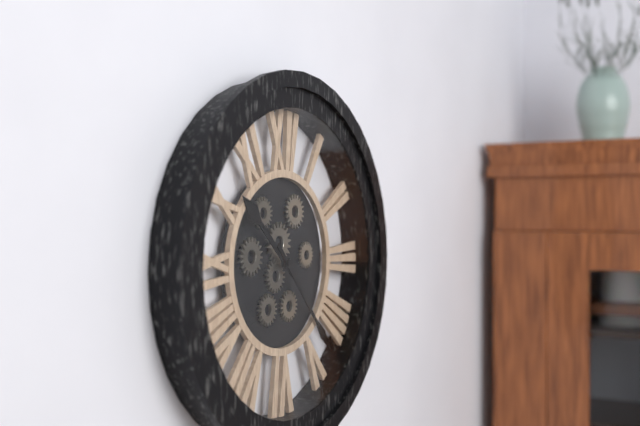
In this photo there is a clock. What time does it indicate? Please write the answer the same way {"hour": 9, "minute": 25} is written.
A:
{"hour": 10, "minute": 23}
